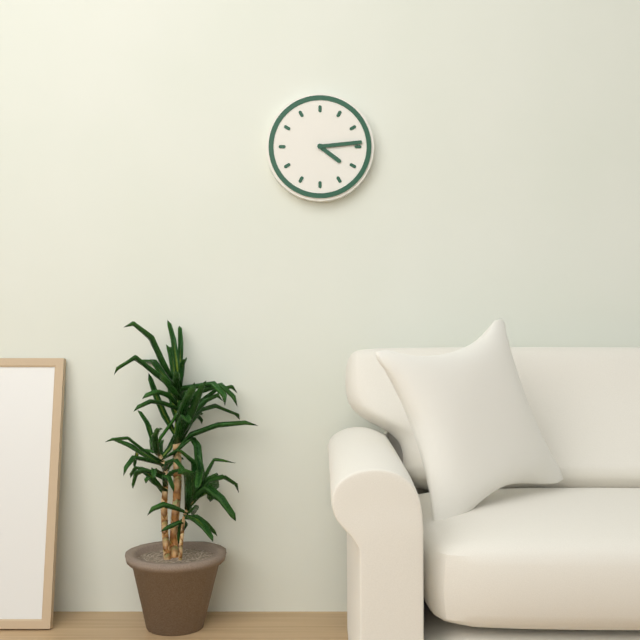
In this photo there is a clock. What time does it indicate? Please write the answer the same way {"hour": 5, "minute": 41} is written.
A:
{"hour": 4, "minute": 14}
